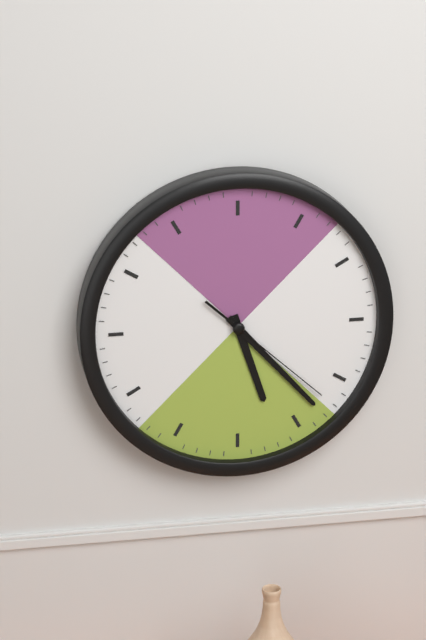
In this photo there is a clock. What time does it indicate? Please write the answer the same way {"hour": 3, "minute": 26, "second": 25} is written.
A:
{"hour": 5, "minute": 23, "second": 22}
